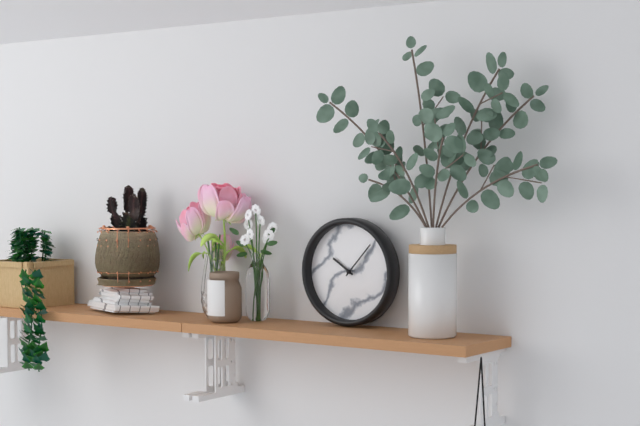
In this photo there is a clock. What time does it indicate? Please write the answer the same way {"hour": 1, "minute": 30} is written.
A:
{"hour": 10, "minute": 7}
